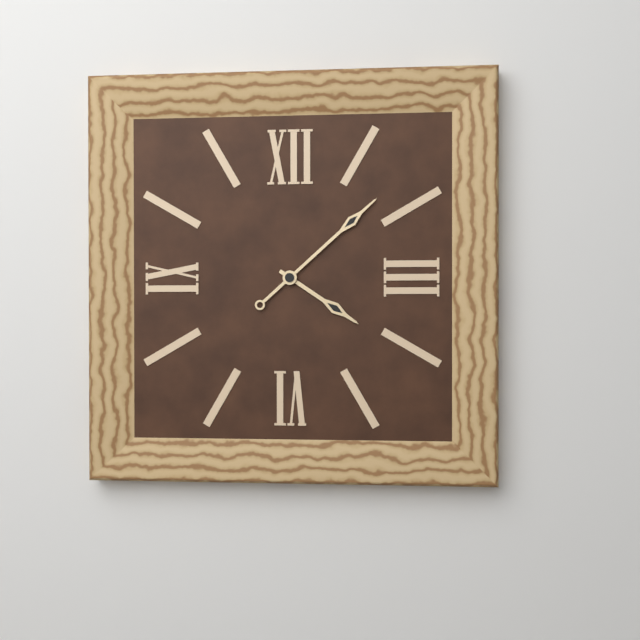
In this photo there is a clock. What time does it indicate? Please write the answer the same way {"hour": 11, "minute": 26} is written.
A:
{"hour": 4, "minute": 8}
